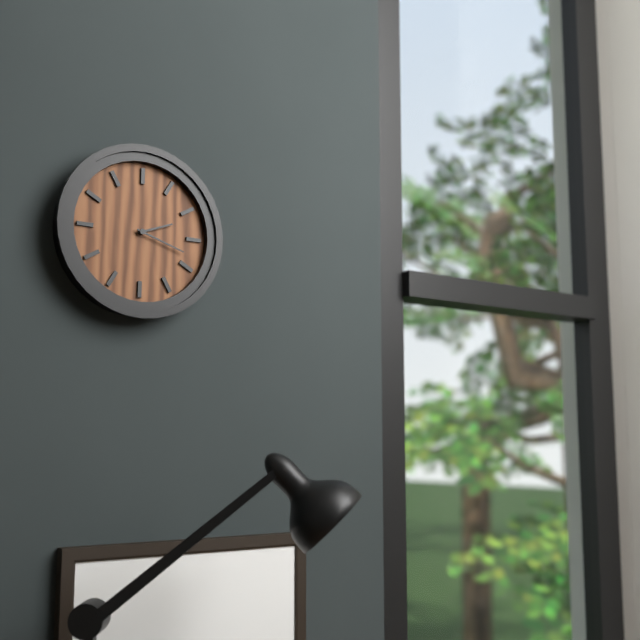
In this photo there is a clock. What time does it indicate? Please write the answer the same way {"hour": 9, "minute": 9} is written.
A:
{"hour": 2, "minute": 18}
